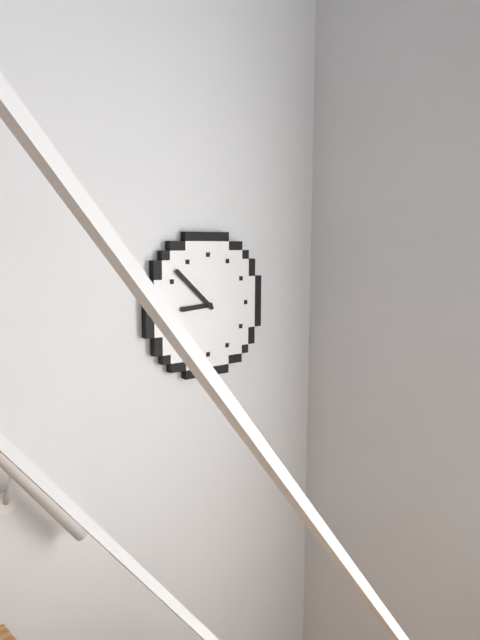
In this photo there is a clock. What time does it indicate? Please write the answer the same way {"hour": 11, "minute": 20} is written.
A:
{"hour": 8, "minute": 52}
